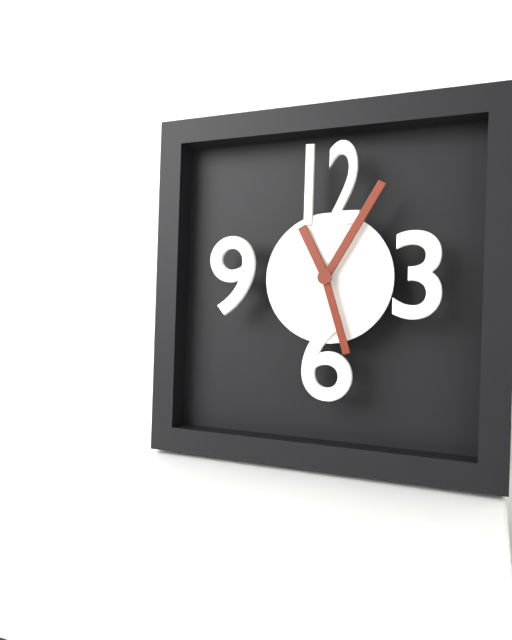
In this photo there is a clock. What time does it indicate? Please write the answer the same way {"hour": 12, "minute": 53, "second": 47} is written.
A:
{"hour": 11, "minute": 5, "second": 27}
